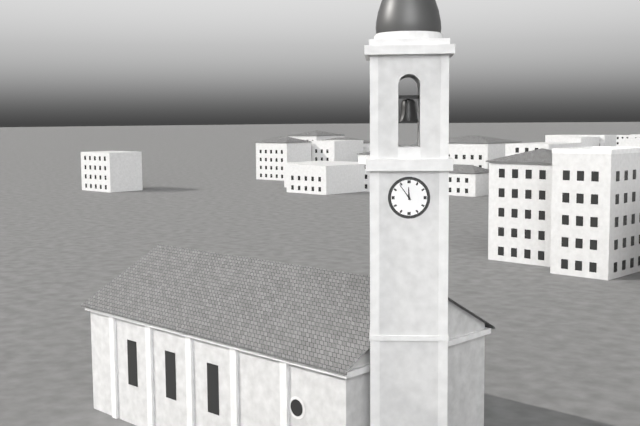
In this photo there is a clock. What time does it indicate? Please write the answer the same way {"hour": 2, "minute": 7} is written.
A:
{"hour": 11, "minute": 54}
